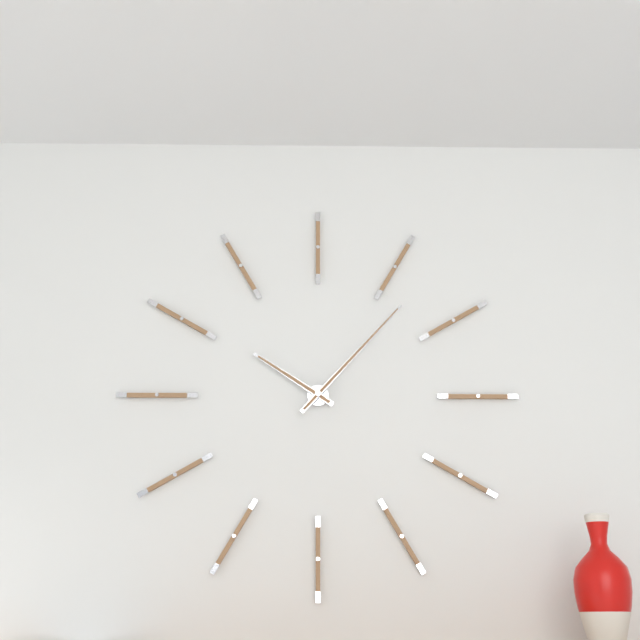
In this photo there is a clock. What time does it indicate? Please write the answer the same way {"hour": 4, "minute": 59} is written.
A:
{"hour": 10, "minute": 7}
